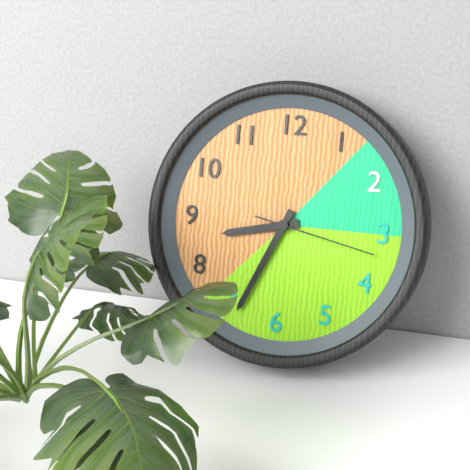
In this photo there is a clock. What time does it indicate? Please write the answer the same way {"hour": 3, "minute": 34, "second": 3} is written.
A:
{"hour": 8, "minute": 34, "second": 17}
